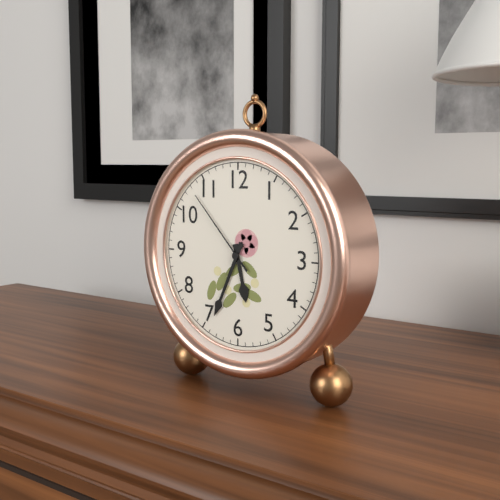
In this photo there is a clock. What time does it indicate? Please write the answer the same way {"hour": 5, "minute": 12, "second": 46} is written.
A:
{"hour": 5, "minute": 34, "second": 53}
